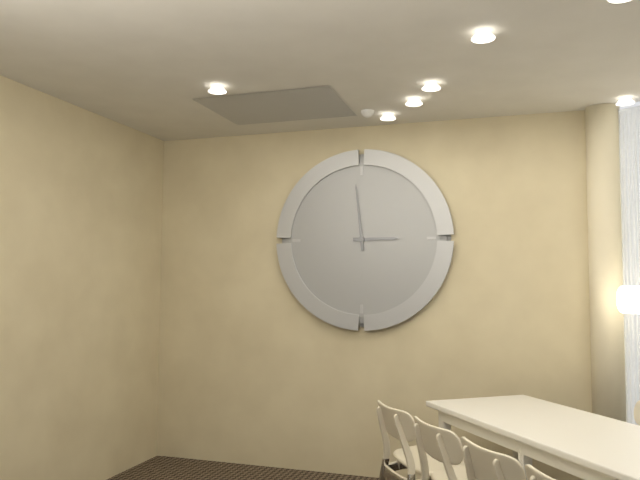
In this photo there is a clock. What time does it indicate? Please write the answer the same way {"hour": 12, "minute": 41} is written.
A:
{"hour": 2, "minute": 59}
